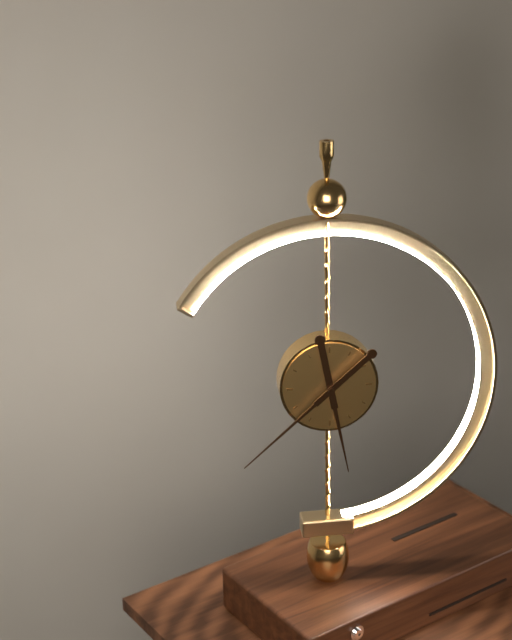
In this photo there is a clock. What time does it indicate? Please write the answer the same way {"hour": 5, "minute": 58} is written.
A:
{"hour": 5, "minute": 38}
